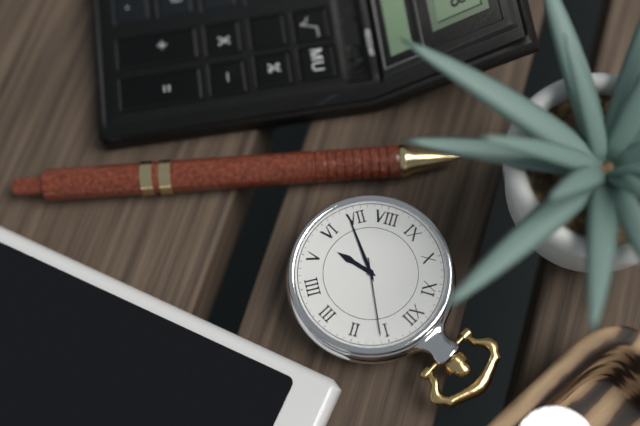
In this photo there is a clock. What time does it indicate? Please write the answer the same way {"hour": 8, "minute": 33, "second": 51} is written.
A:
{"hour": 5, "minute": 34, "second": 6}
